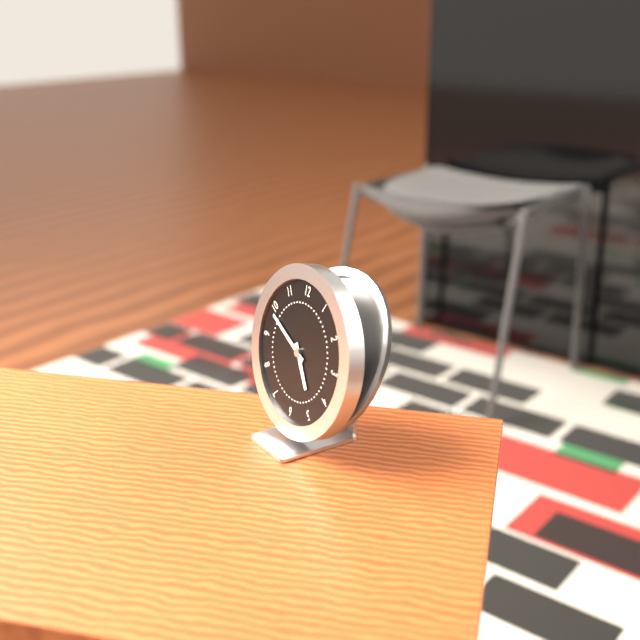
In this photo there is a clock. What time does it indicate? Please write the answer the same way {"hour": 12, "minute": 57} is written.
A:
{"hour": 4, "minute": 49}
